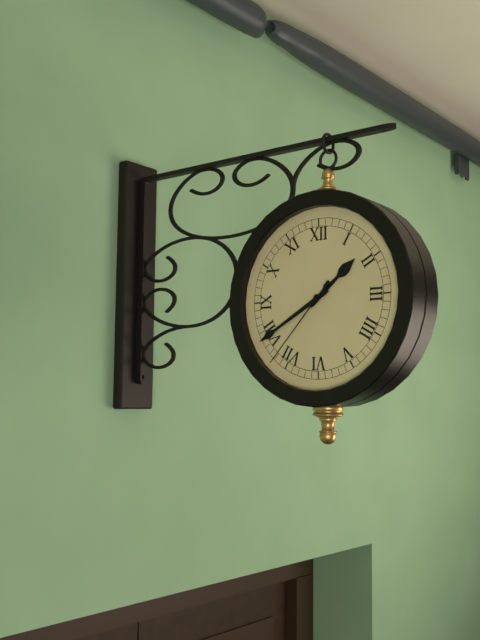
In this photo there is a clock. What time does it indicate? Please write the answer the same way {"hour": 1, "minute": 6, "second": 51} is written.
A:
{"hour": 1, "minute": 40, "second": 37}
